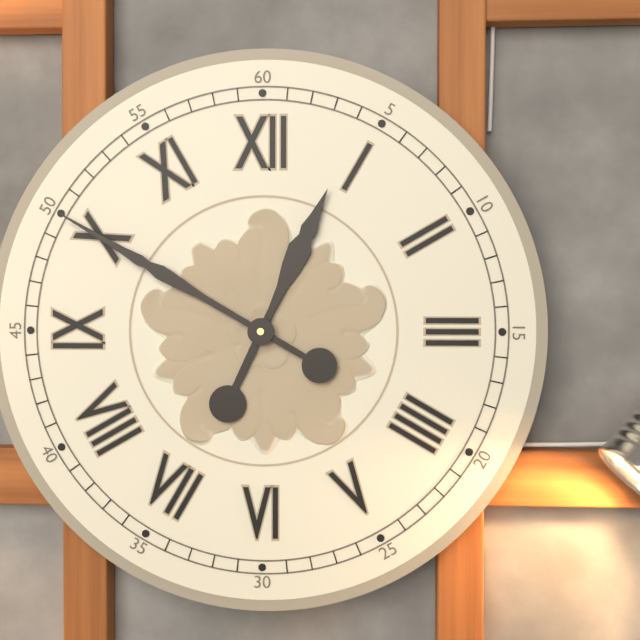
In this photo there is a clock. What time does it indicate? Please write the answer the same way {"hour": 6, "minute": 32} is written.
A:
{"hour": 12, "minute": 50}
